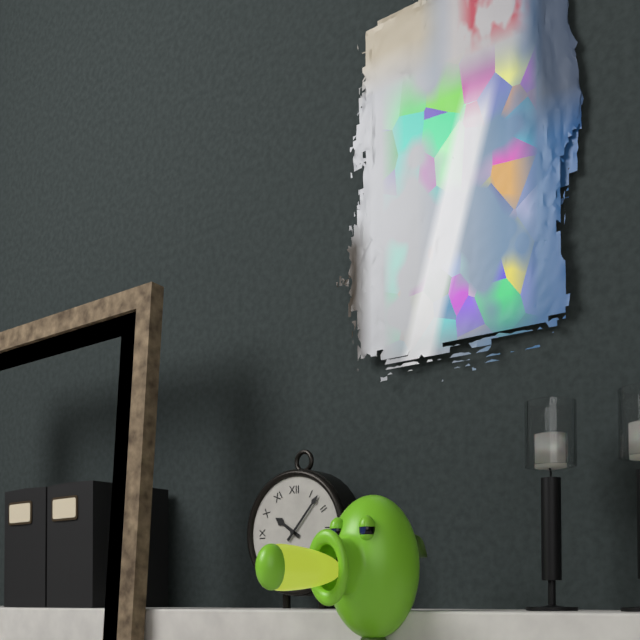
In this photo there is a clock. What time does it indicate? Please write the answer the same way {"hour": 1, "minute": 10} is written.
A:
{"hour": 10, "minute": 7}
